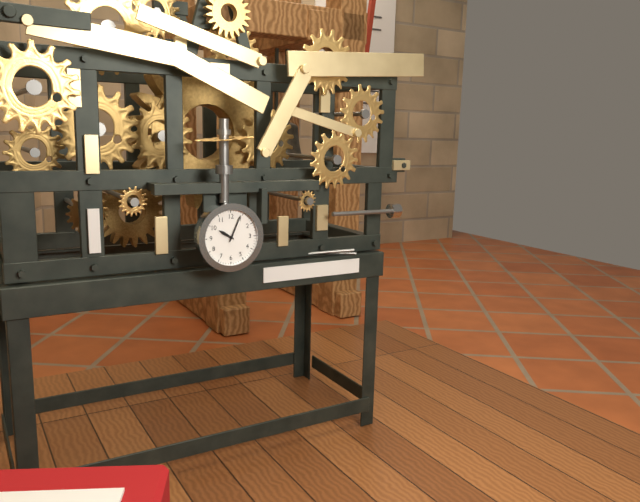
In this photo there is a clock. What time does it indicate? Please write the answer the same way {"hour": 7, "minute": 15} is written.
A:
{"hour": 10, "minute": 4}
